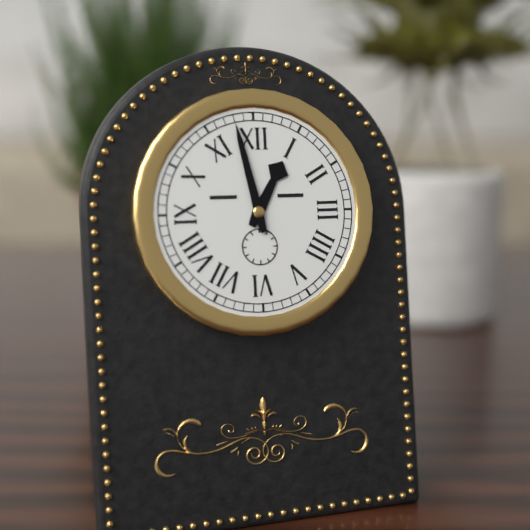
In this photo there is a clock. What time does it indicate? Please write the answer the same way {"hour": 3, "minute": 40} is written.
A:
{"hour": 12, "minute": 58}
